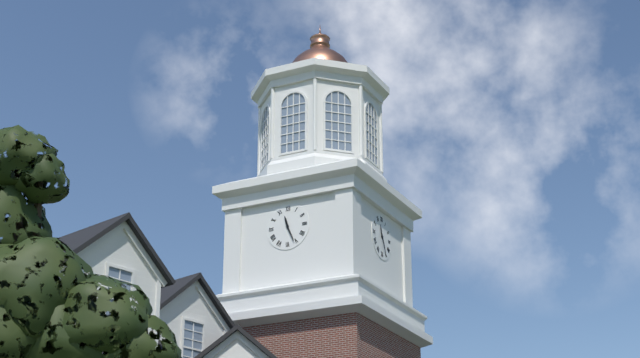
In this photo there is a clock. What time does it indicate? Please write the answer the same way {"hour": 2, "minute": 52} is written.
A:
{"hour": 11, "minute": 26}
